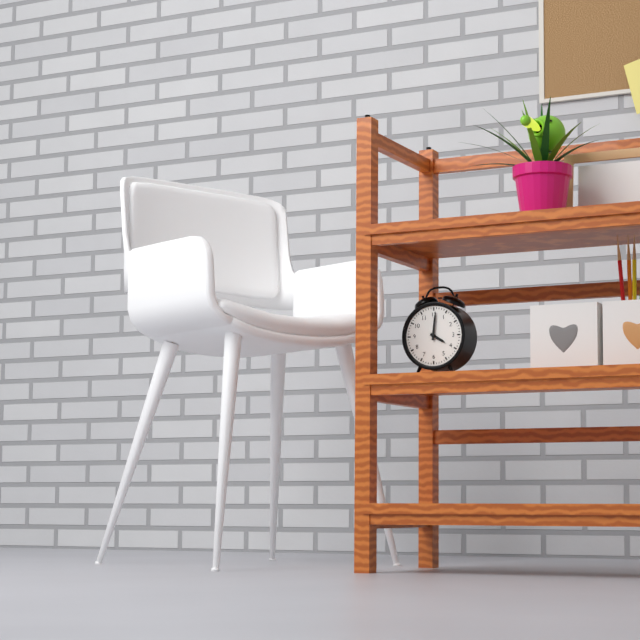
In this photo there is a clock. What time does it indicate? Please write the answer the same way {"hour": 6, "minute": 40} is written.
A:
{"hour": 4, "minute": 1}
